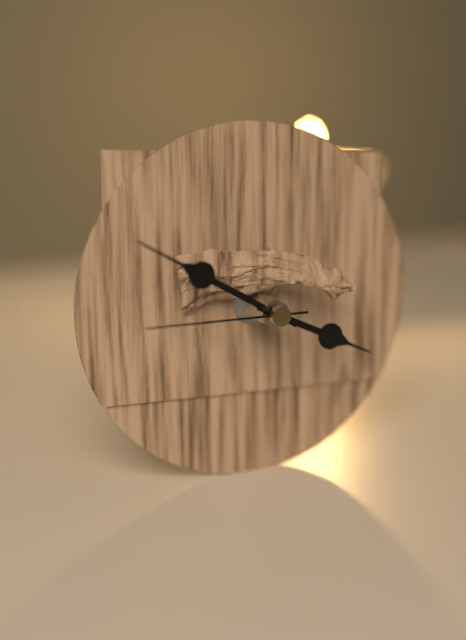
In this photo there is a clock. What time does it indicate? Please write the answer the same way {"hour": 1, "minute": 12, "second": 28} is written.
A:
{"hour": 3, "minute": 50, "second": 45}
